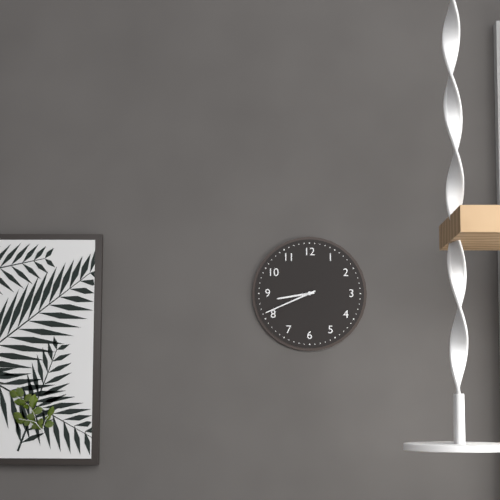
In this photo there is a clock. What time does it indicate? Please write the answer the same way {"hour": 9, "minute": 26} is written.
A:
{"hour": 8, "minute": 41}
